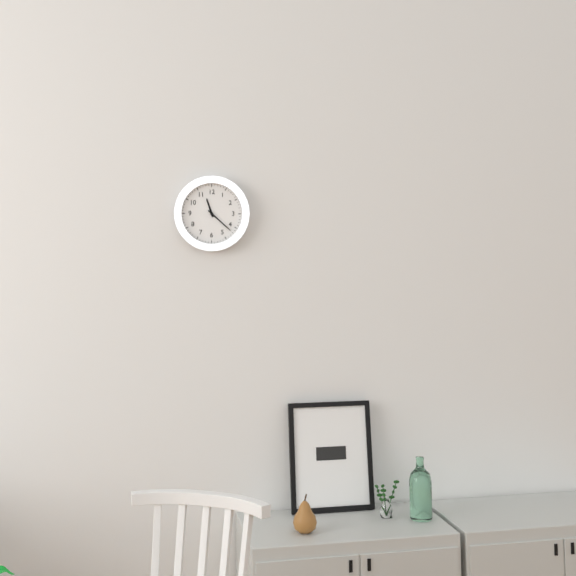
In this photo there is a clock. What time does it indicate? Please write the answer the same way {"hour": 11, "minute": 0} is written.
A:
{"hour": 11, "minute": 22}
